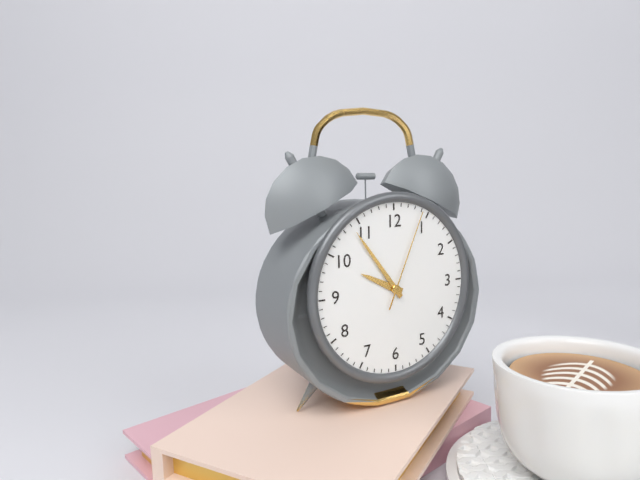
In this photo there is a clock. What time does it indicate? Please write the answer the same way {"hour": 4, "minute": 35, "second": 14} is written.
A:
{"hour": 9, "minute": 54, "second": 4}
